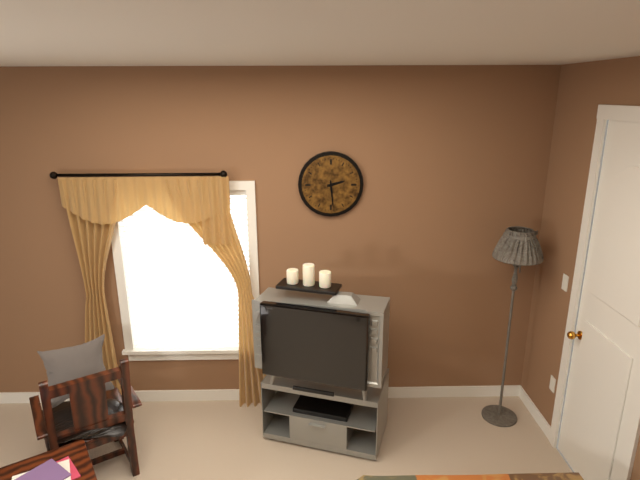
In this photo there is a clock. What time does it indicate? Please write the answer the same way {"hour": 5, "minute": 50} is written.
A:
{"hour": 2, "minute": 29}
